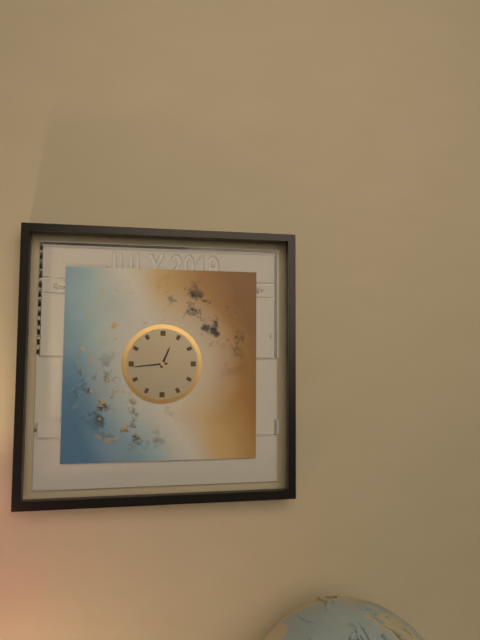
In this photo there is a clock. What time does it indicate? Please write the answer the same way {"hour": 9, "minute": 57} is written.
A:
{"hour": 12, "minute": 44}
